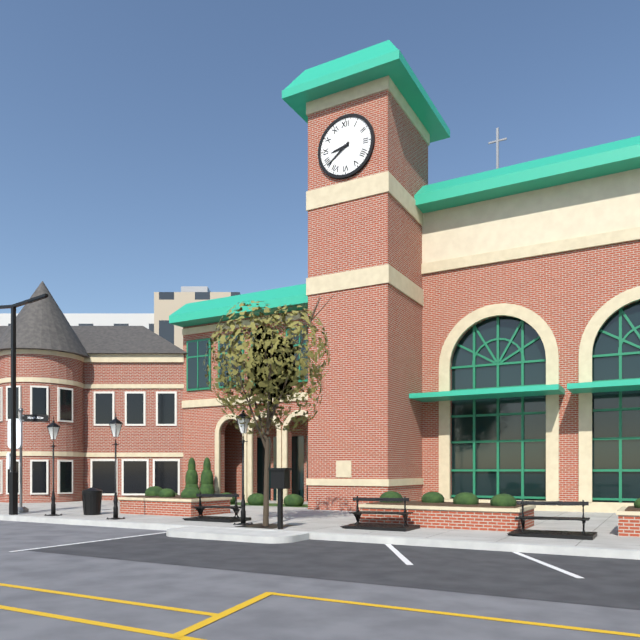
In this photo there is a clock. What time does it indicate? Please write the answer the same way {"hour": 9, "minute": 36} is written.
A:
{"hour": 8, "minute": 39}
